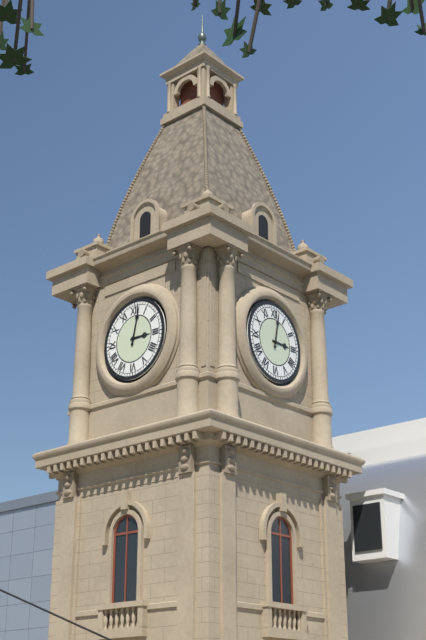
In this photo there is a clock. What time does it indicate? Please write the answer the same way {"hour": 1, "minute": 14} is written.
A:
{"hour": 3, "minute": 2}
